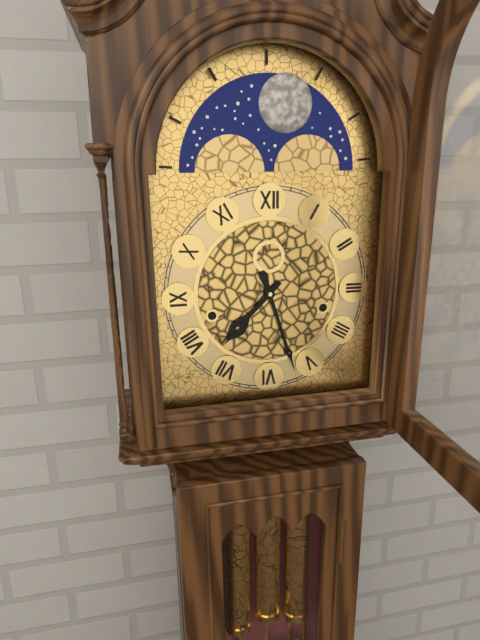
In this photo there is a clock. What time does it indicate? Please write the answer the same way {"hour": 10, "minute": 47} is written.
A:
{"hour": 7, "minute": 27}
